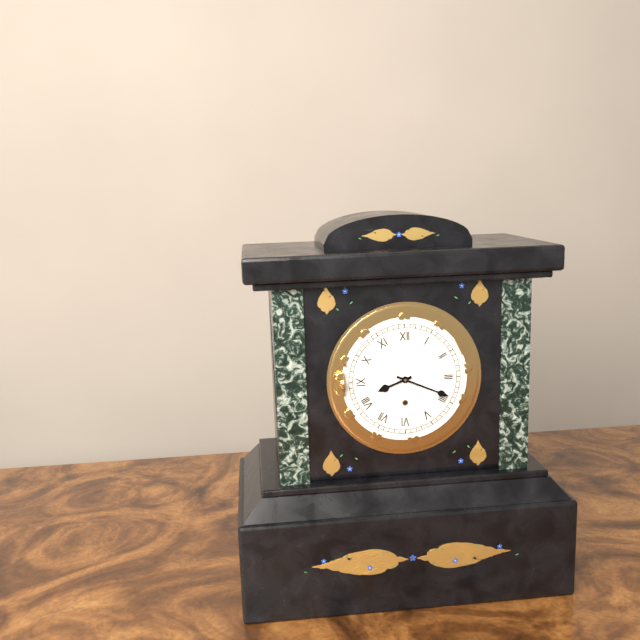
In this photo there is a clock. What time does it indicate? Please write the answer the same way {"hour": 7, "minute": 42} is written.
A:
{"hour": 8, "minute": 19}
